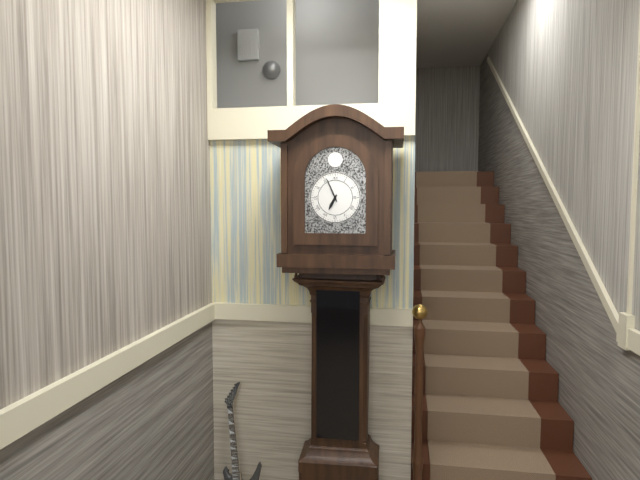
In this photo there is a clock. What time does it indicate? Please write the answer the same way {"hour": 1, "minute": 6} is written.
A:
{"hour": 6, "minute": 56}
